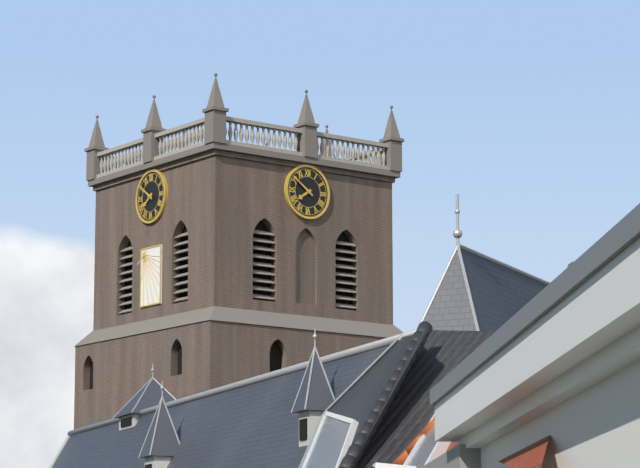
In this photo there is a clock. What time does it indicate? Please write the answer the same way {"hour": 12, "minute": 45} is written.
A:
{"hour": 7, "minute": 51}
